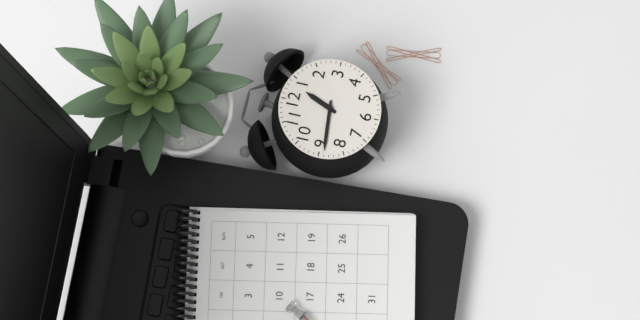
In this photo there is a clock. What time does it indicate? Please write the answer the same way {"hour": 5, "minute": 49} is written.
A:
{"hour": 12, "minute": 44}
